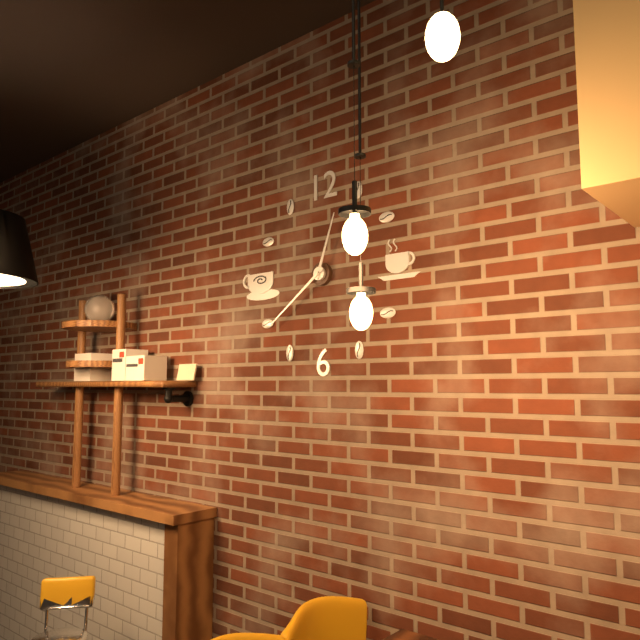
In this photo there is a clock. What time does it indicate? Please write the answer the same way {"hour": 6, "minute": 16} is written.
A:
{"hour": 12, "minute": 39}
